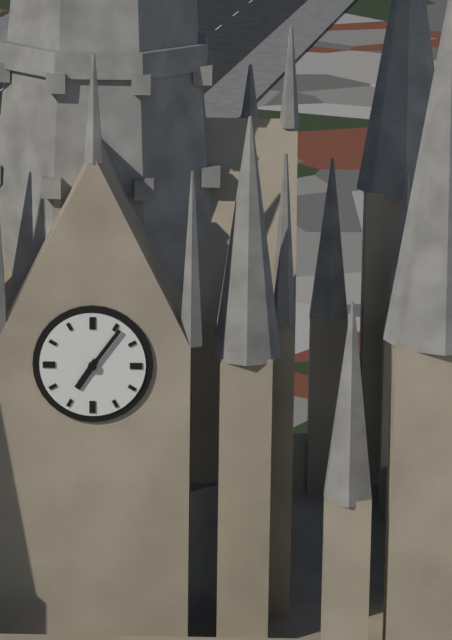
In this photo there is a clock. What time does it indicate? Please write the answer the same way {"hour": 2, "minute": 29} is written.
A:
{"hour": 7, "minute": 6}
